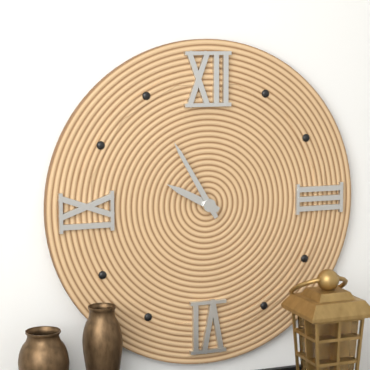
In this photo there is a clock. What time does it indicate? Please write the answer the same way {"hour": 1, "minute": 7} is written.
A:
{"hour": 9, "minute": 55}
